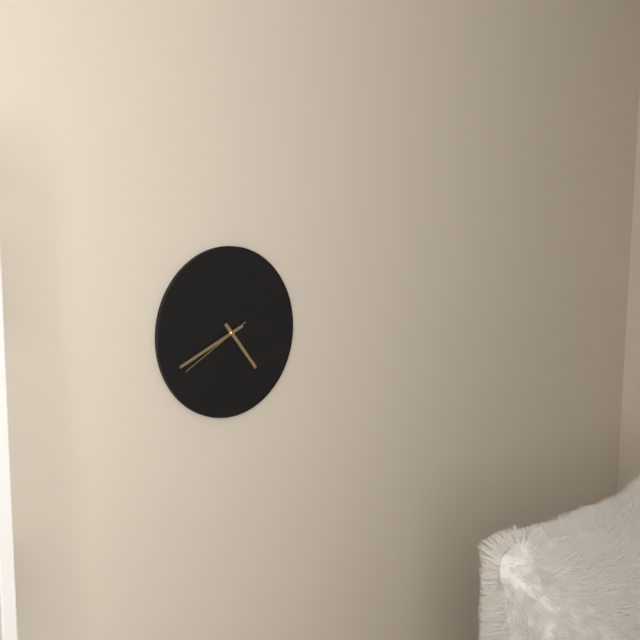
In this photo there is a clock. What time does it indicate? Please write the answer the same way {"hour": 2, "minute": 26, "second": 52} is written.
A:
{"hour": 4, "minute": 41, "second": 40}
